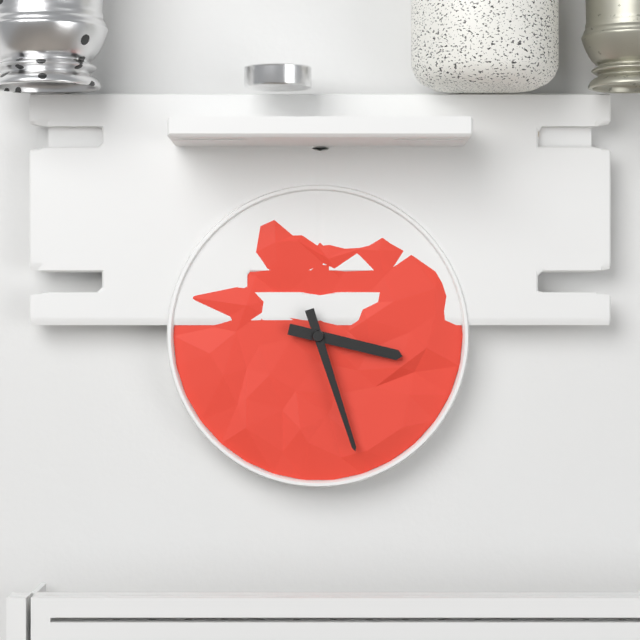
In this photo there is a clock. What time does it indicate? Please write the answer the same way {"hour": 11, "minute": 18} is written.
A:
{"hour": 3, "minute": 27}
